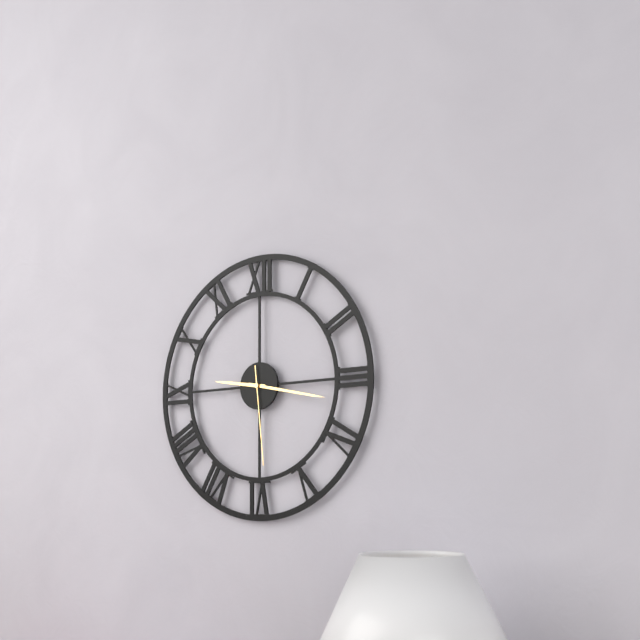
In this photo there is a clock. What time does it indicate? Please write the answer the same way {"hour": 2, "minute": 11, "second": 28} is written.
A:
{"hour": 9, "minute": 17, "second": 29}
